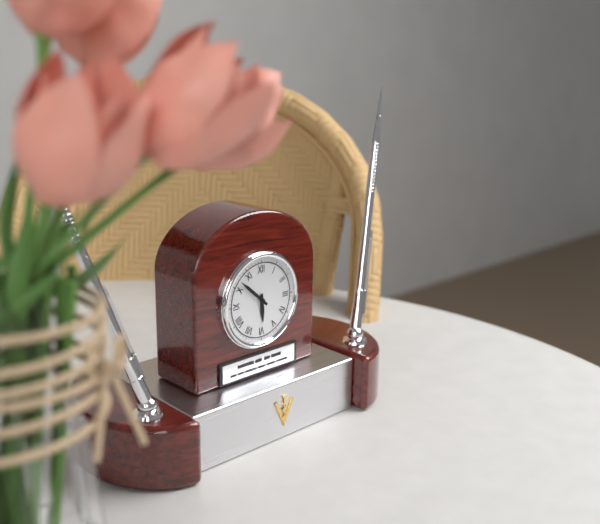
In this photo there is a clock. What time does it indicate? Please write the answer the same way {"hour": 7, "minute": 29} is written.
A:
{"hour": 5, "minute": 52}
